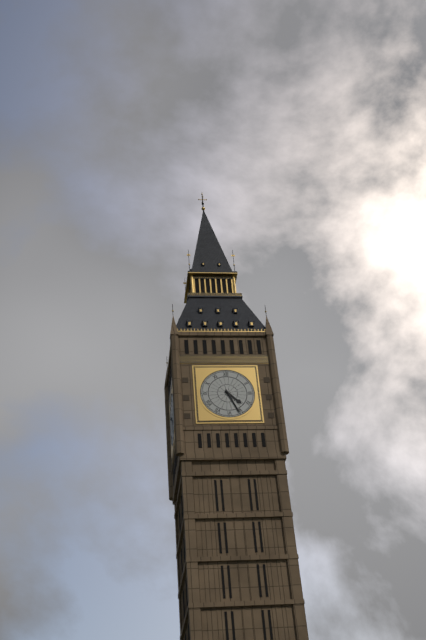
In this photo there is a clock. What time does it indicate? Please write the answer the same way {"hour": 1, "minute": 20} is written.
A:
{"hour": 4, "minute": 26}
